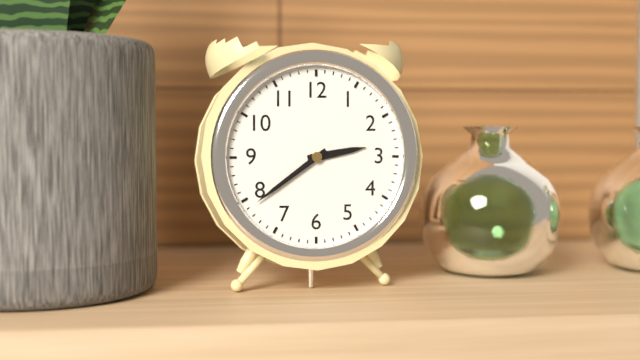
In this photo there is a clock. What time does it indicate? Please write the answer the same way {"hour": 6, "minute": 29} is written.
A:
{"hour": 2, "minute": 39}
